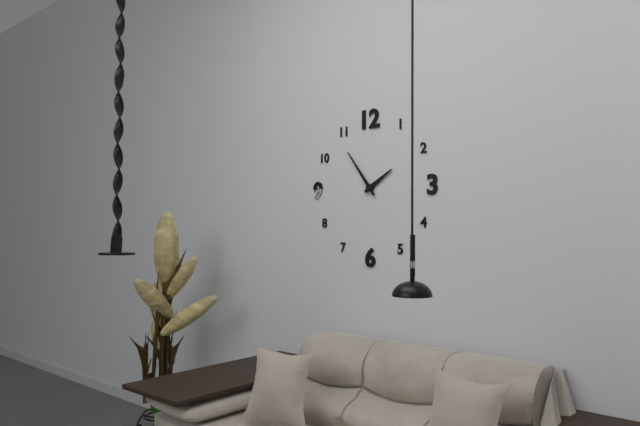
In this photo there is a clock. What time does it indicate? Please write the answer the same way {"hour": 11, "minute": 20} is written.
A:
{"hour": 1, "minute": 54}
